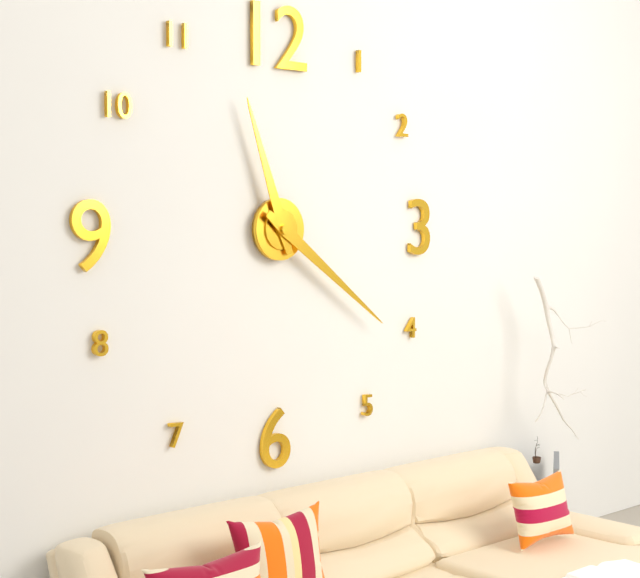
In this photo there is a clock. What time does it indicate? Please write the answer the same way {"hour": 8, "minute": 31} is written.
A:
{"hour": 11, "minute": 21}
